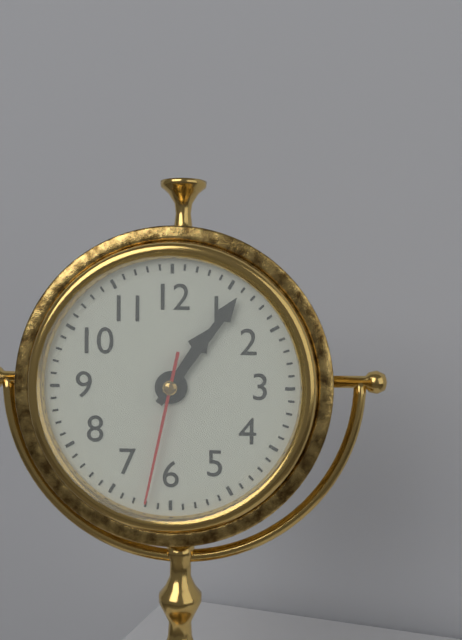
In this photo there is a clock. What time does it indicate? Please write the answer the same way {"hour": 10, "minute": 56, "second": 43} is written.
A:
{"hour": 1, "minute": 6, "second": 32}
